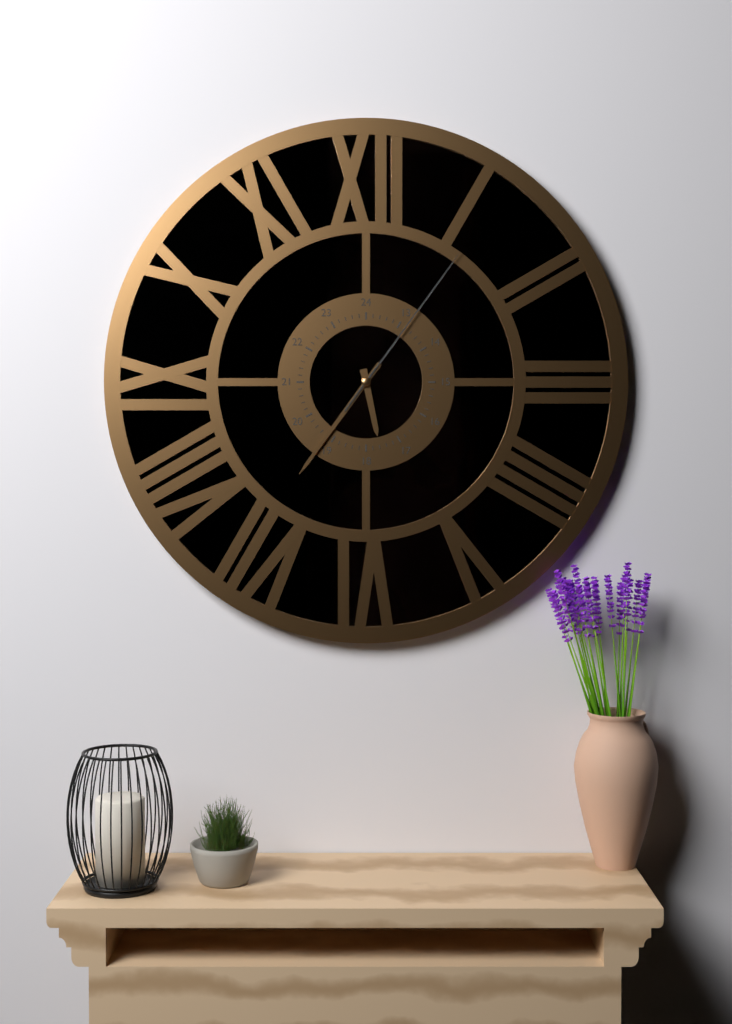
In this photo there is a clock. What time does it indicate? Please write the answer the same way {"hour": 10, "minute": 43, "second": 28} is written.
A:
{"hour": 5, "minute": 36, "second": 6}
